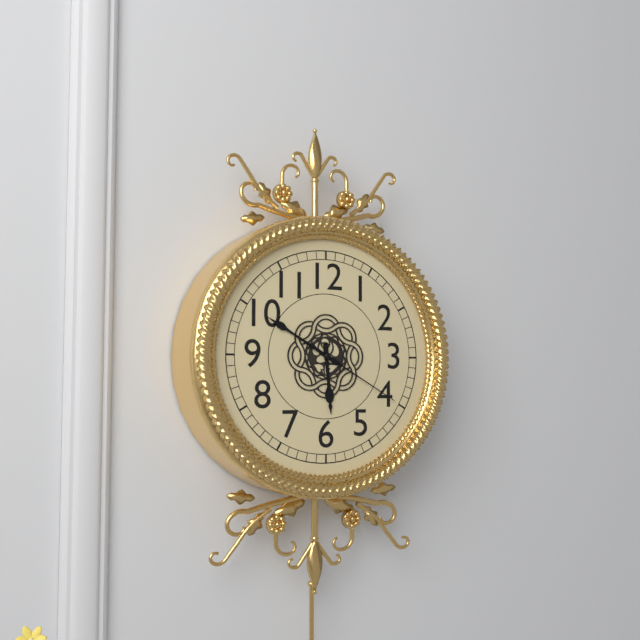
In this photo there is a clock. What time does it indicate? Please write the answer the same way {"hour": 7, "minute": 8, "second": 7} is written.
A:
{"hour": 5, "minute": 50, "second": 20}
